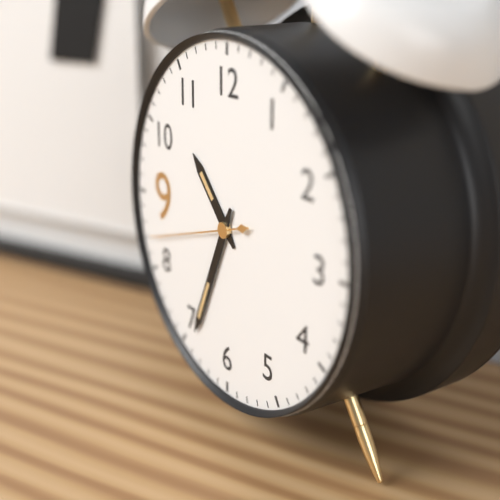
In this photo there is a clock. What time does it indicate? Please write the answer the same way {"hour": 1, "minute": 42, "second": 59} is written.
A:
{"hour": 10, "minute": 34, "second": 42}
